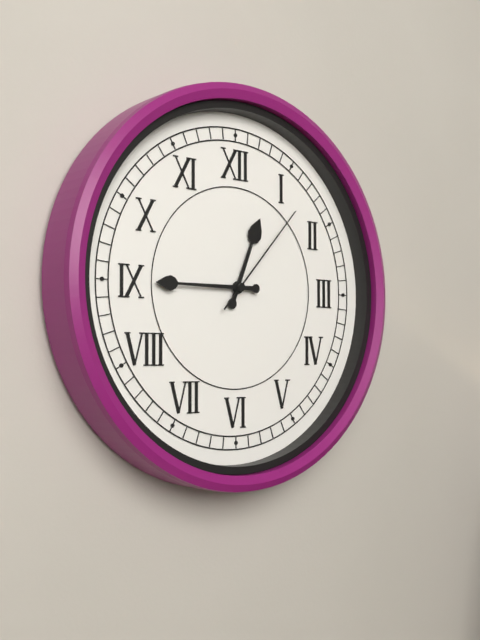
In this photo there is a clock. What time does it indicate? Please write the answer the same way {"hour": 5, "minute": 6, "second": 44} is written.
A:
{"hour": 12, "minute": 45, "second": 7}
